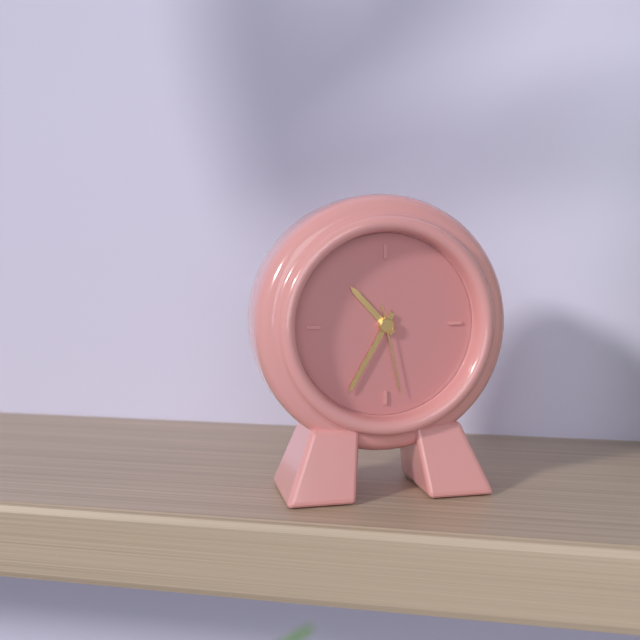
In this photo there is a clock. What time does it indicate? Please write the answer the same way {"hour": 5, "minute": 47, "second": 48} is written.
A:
{"hour": 10, "minute": 35, "second": 28}
